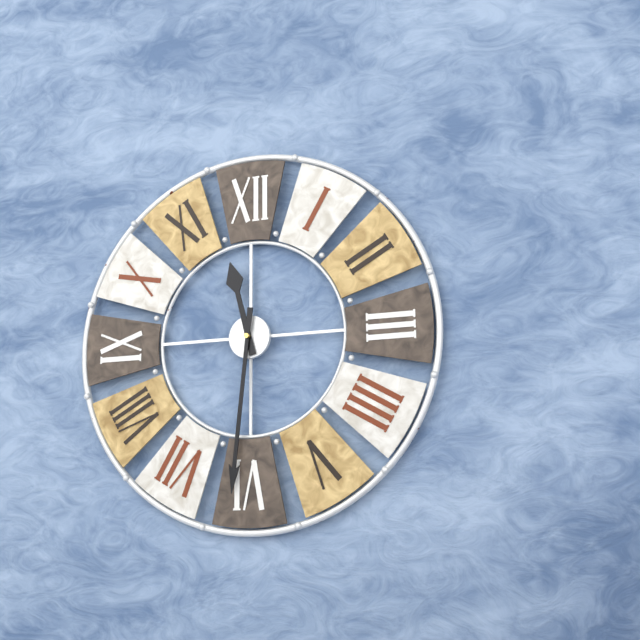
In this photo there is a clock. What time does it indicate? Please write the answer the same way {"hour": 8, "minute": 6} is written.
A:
{"hour": 11, "minute": 31}
